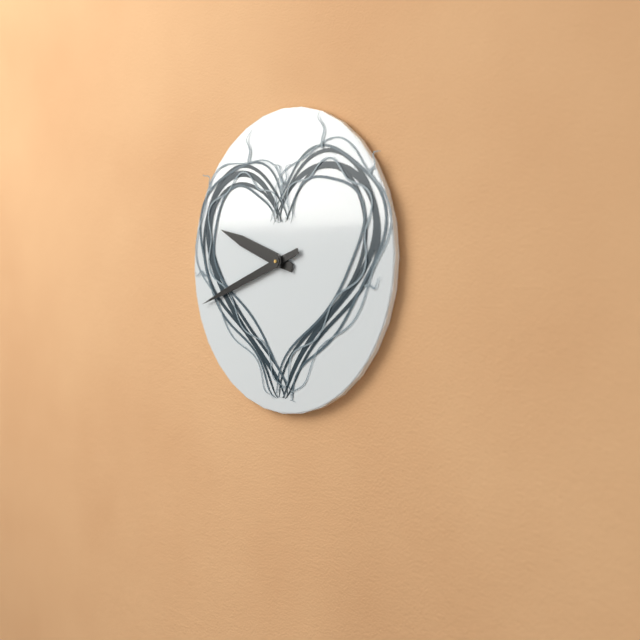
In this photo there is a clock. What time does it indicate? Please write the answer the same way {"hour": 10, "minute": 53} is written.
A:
{"hour": 9, "minute": 42}
